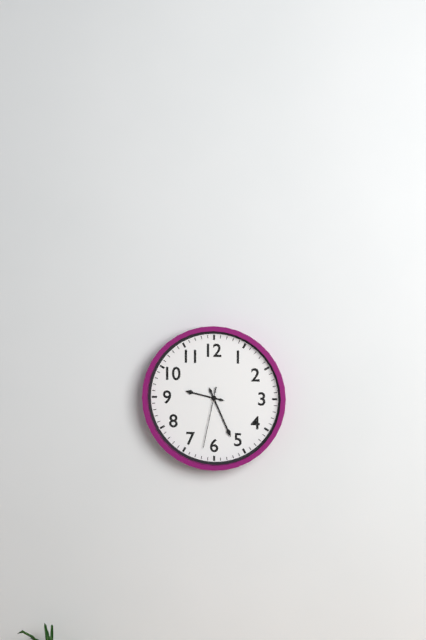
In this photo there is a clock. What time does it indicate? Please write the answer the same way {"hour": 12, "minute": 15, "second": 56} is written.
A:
{"hour": 9, "minute": 26, "second": 32}
